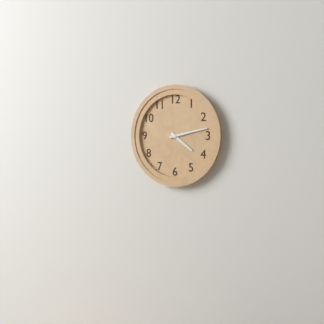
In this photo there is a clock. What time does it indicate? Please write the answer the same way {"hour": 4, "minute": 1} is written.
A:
{"hour": 4, "minute": 13}
